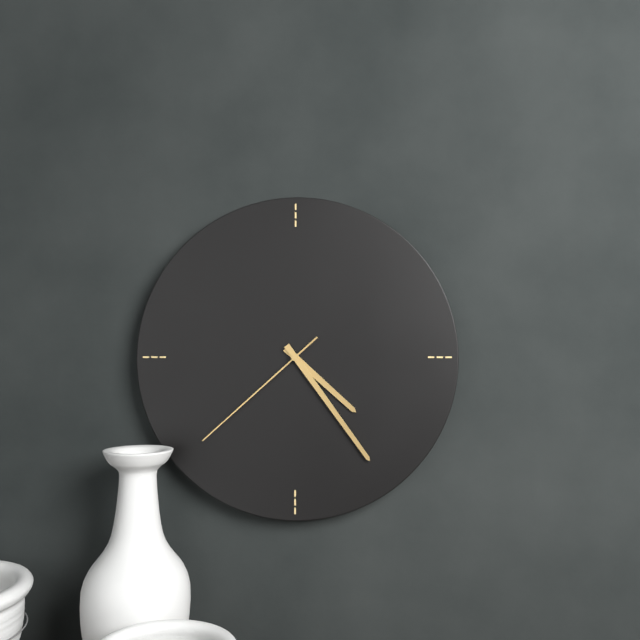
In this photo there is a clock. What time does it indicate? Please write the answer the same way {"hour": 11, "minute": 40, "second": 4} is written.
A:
{"hour": 4, "minute": 24, "second": 38}
